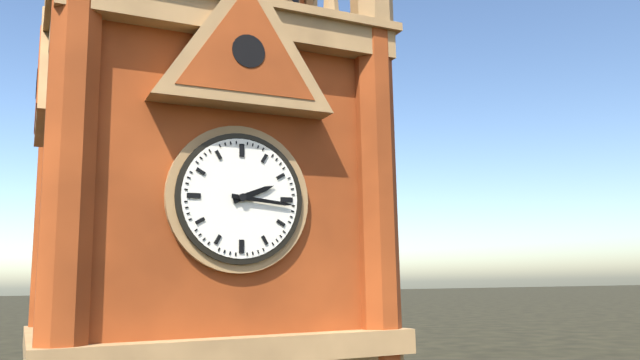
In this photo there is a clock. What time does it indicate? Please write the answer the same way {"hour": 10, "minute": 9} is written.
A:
{"hour": 2, "minute": 16}
